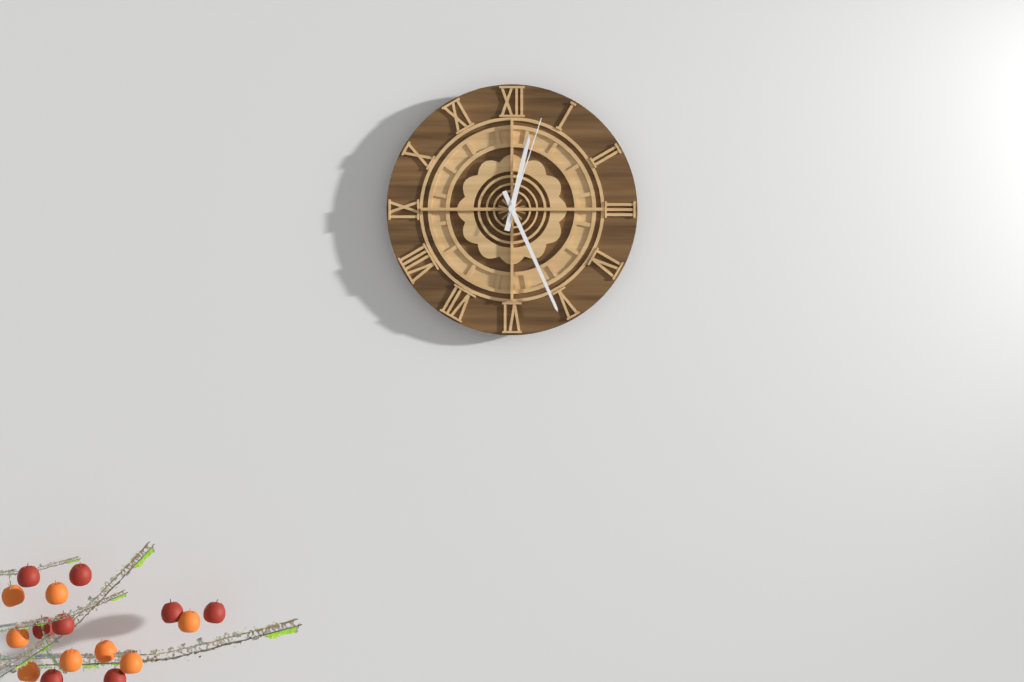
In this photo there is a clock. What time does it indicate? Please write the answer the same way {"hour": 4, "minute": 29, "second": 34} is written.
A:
{"hour": 12, "minute": 26, "second": 3}
